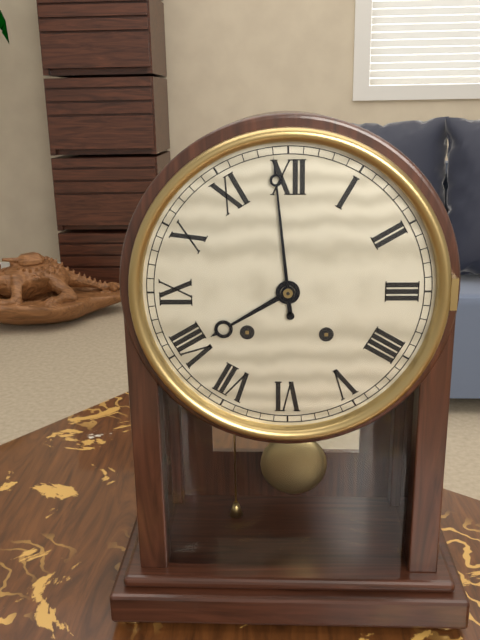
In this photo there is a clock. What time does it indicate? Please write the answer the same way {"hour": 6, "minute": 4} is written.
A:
{"hour": 7, "minute": 59}
